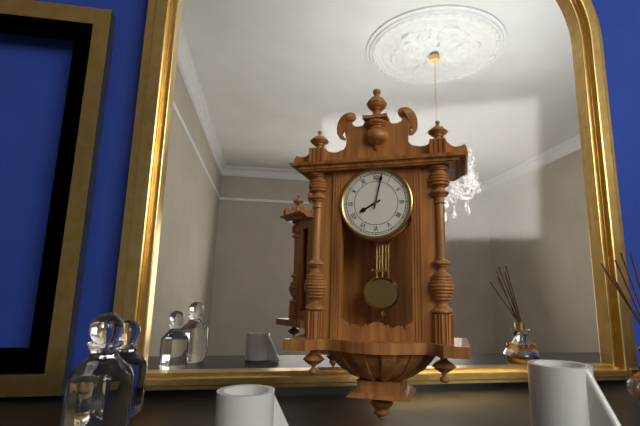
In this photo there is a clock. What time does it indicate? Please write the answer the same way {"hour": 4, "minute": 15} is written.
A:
{"hour": 8, "minute": 2}
